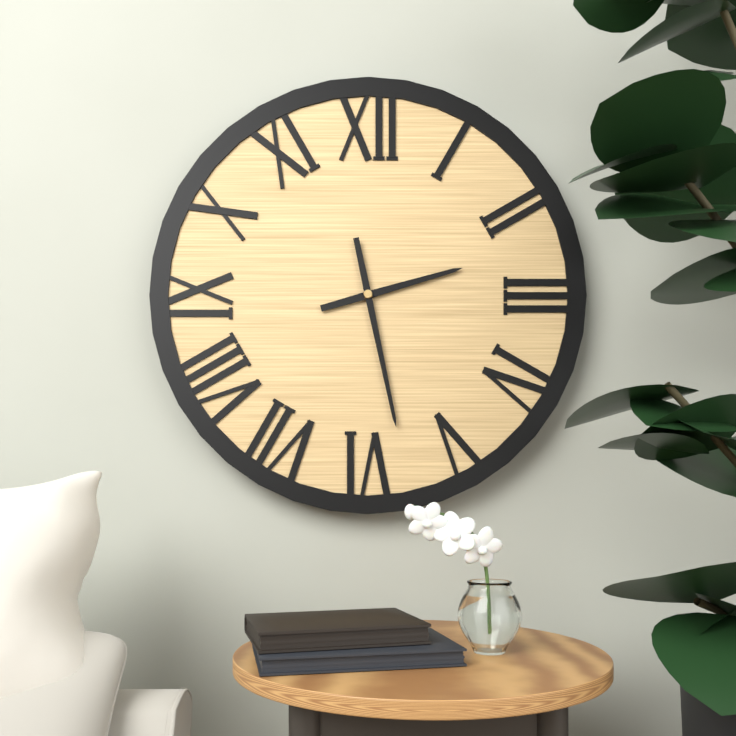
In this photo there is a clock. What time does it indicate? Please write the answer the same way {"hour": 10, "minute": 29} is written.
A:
{"hour": 2, "minute": 28}
